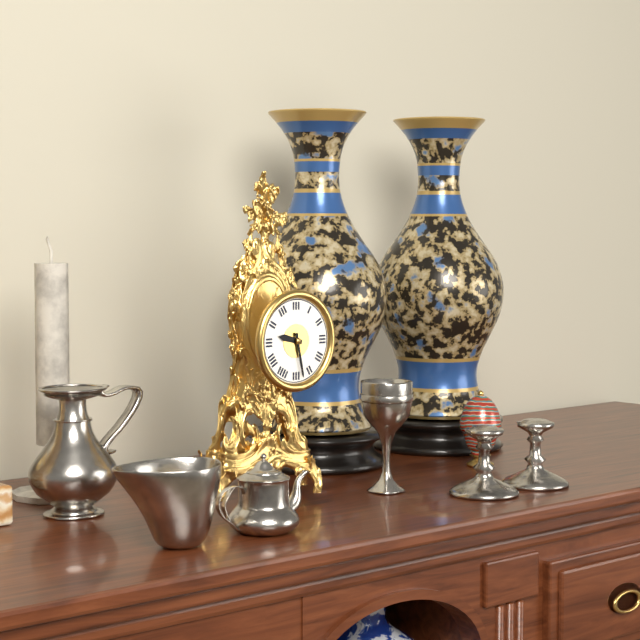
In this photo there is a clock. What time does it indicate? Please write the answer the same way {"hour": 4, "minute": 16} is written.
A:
{"hour": 9, "minute": 28}
